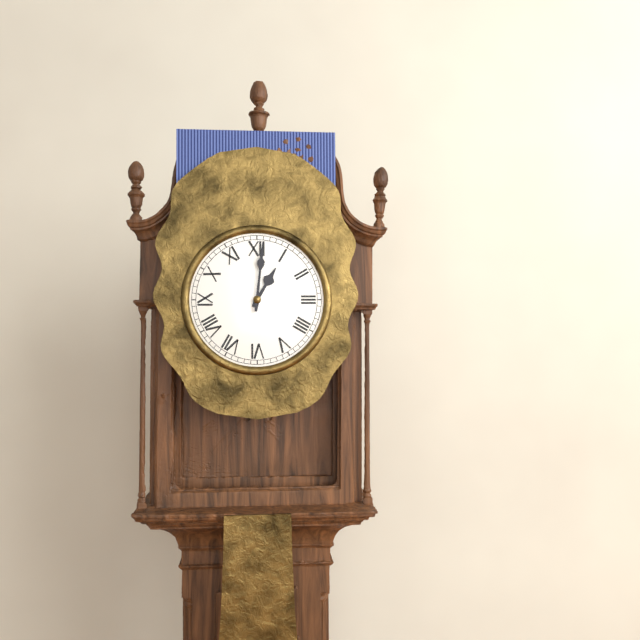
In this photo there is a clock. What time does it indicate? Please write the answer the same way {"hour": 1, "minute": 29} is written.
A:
{"hour": 1, "minute": 1}
